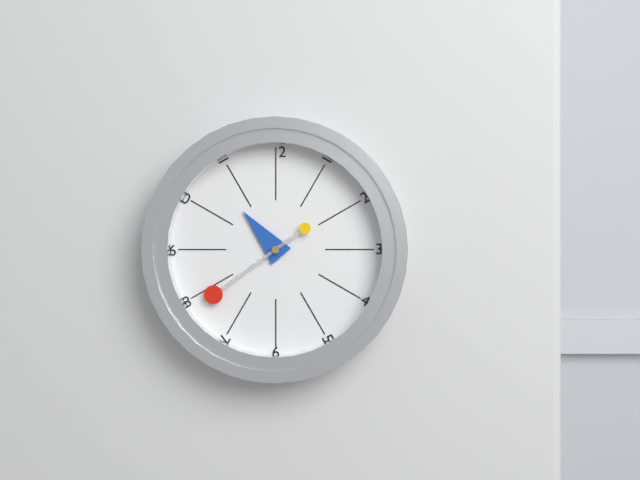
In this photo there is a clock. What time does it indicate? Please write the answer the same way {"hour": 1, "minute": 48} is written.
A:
{"hour": 10, "minute": 39}
